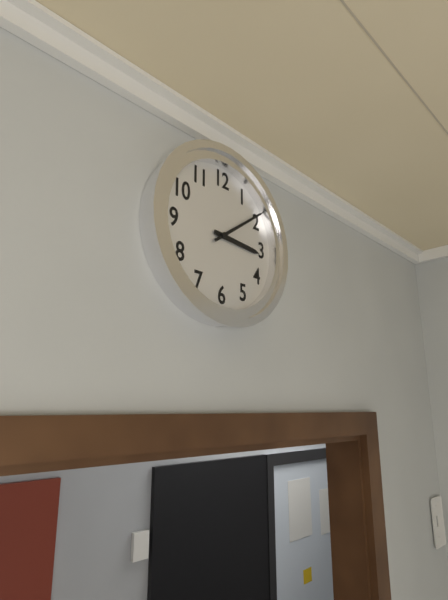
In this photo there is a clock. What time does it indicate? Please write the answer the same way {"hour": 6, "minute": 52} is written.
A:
{"hour": 3, "minute": 9}
